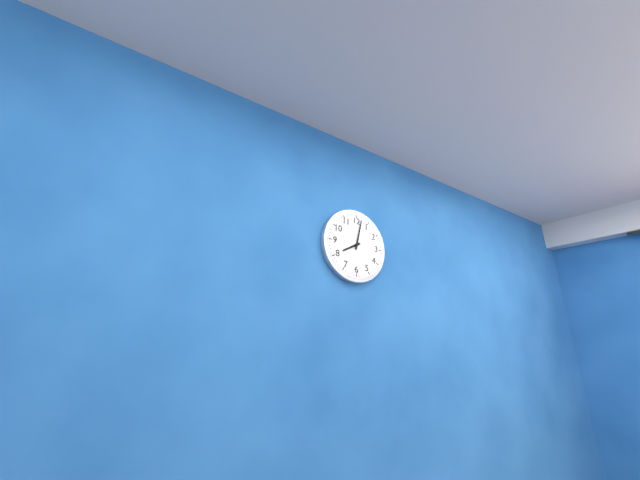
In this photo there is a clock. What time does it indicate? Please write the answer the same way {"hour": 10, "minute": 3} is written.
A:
{"hour": 8, "minute": 2}
